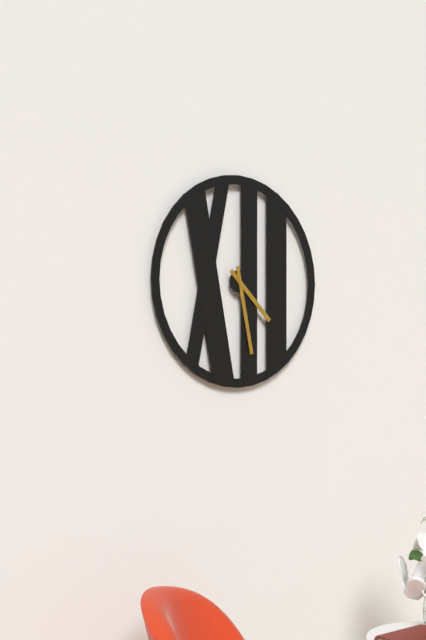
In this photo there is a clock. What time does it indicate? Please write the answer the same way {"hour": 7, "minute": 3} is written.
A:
{"hour": 4, "minute": 28}
